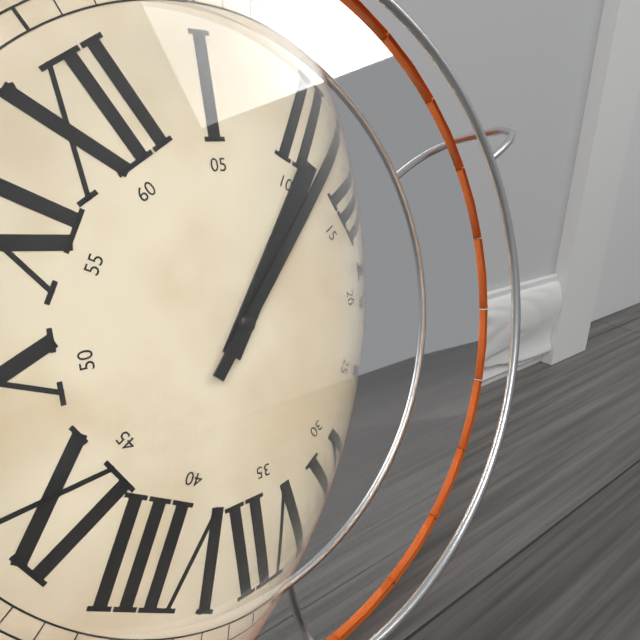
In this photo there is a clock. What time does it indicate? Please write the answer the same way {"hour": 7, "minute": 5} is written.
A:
{"hour": 2, "minute": 12}
